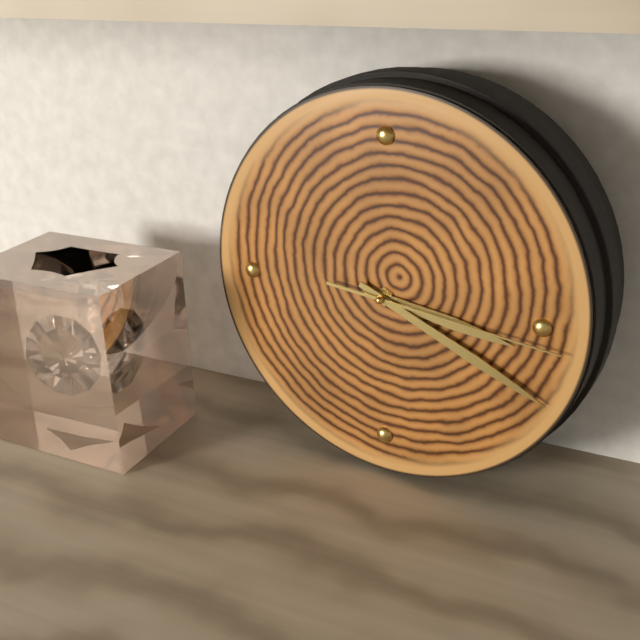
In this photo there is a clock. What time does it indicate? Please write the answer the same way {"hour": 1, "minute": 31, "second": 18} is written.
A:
{"hour": 3, "minute": 19, "second": 16}
